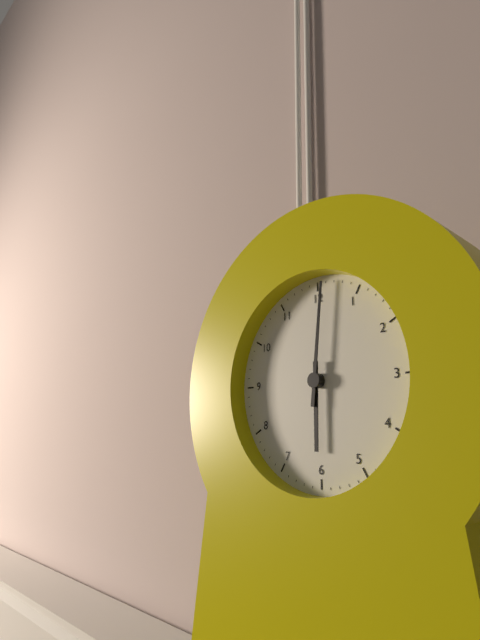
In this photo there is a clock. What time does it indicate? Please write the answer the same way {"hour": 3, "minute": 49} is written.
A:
{"hour": 6, "minute": 1}
